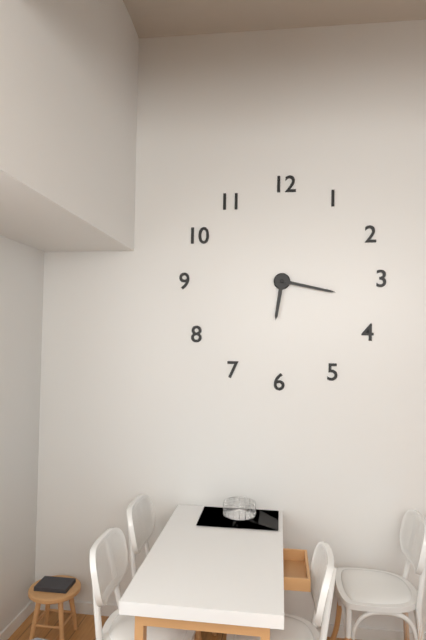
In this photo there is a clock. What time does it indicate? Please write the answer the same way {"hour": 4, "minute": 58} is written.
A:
{"hour": 6, "minute": 17}
